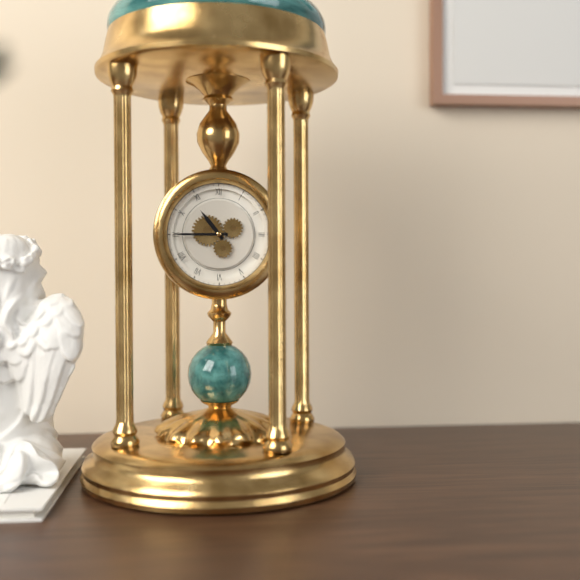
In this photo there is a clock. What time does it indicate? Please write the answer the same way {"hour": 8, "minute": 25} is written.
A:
{"hour": 10, "minute": 45}
